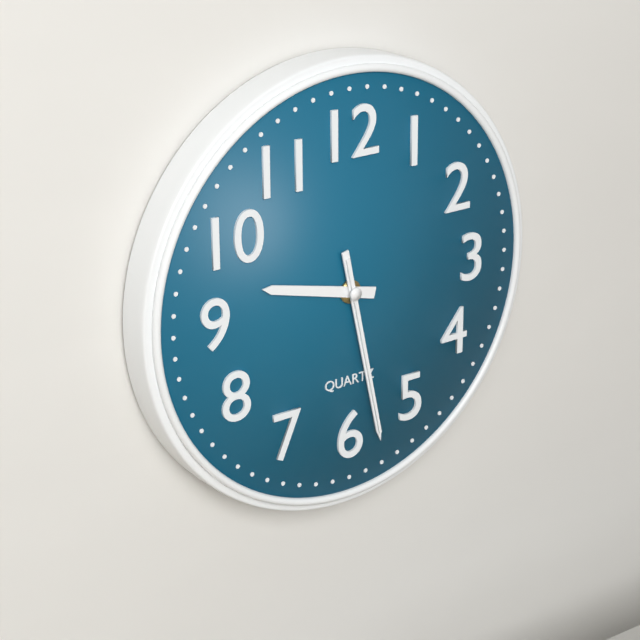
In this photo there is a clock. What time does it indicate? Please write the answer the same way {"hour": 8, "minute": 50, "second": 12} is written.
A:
{"hour": 9, "minute": 28, "second": 28}
